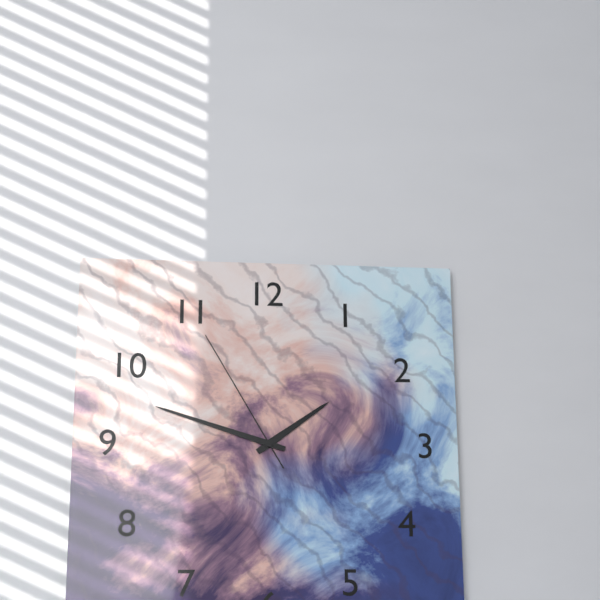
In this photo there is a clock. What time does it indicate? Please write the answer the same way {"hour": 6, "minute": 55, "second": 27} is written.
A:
{"hour": 1, "minute": 48, "second": 55}
